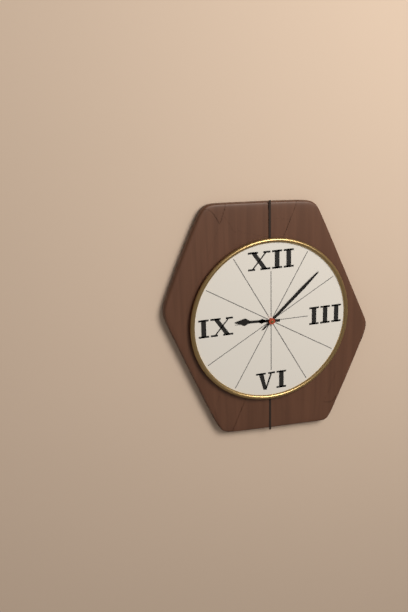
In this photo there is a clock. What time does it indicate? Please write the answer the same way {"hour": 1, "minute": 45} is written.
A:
{"hour": 9, "minute": 8}
